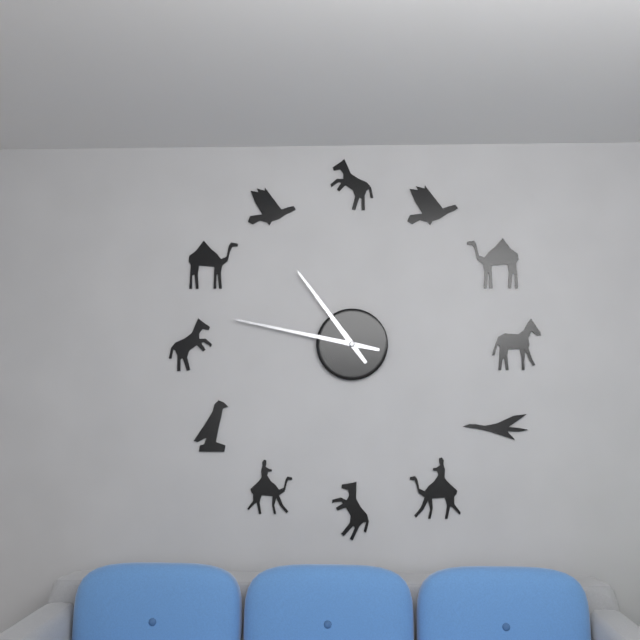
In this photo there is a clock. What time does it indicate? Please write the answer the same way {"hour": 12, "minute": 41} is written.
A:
{"hour": 10, "minute": 47}
